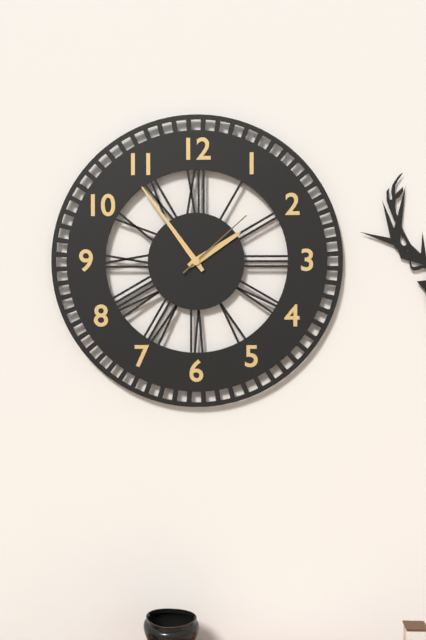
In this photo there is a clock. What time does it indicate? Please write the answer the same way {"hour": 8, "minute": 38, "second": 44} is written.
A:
{"hour": 1, "minute": 54, "second": 8}
